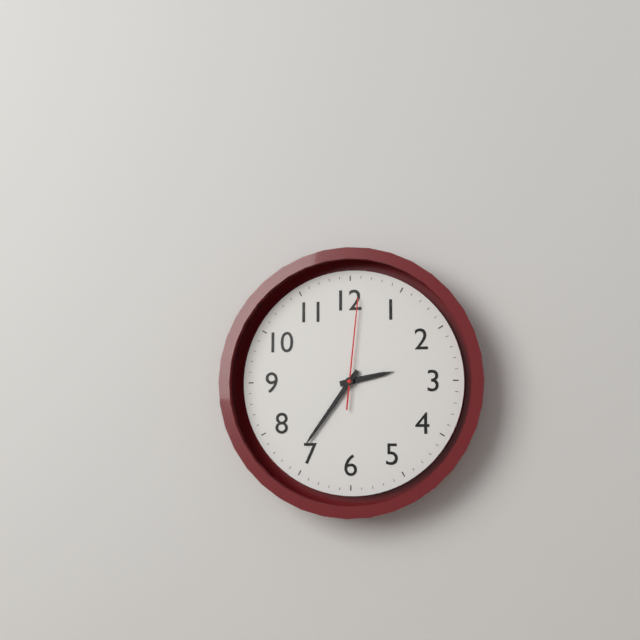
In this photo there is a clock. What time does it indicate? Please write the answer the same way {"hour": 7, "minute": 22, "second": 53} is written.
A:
{"hour": 2, "minute": 36, "second": 1}
